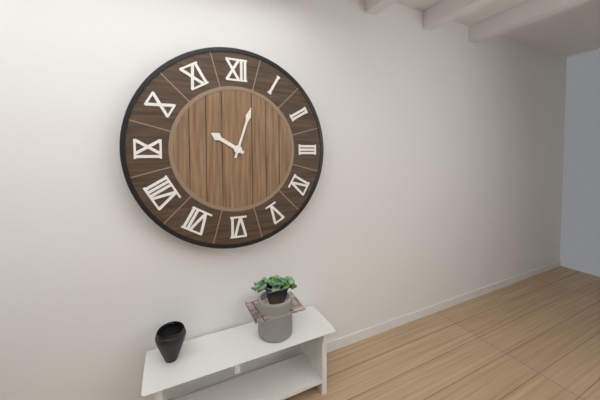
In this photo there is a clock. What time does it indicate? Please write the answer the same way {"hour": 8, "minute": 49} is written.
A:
{"hour": 10, "minute": 3}
